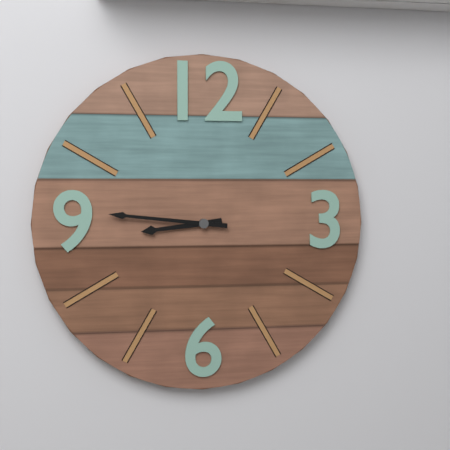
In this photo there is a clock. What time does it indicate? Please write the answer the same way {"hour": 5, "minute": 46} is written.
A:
{"hour": 8, "minute": 46}
